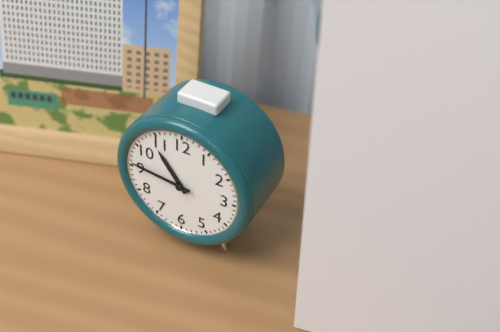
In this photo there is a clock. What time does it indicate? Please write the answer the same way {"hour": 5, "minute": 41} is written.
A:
{"hour": 10, "minute": 46}
